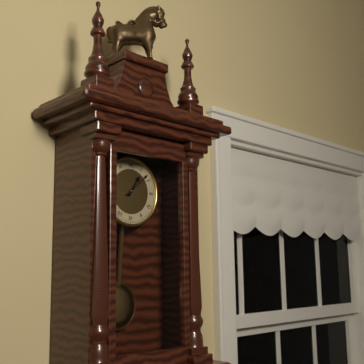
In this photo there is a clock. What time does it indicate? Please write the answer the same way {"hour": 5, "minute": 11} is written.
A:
{"hour": 1, "minute": 8}
